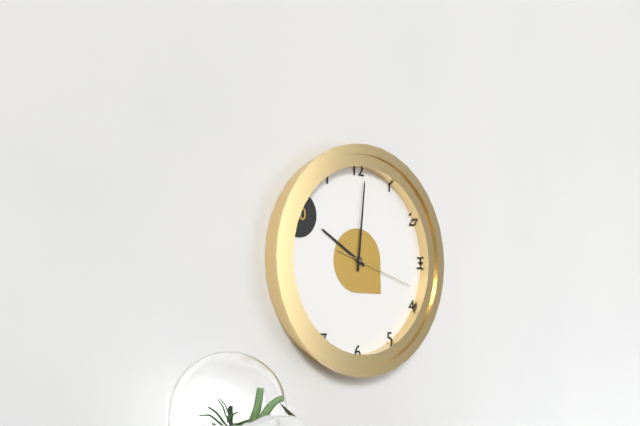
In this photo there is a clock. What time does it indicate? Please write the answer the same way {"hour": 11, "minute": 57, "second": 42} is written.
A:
{"hour": 10, "minute": 1, "second": 18}
